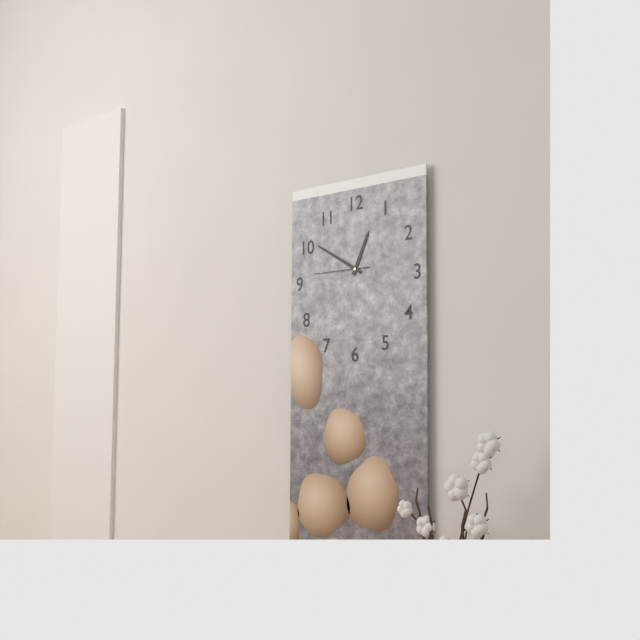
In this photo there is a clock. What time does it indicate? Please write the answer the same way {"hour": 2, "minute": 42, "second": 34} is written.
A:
{"hour": 12, "minute": 50, "second": 45}
